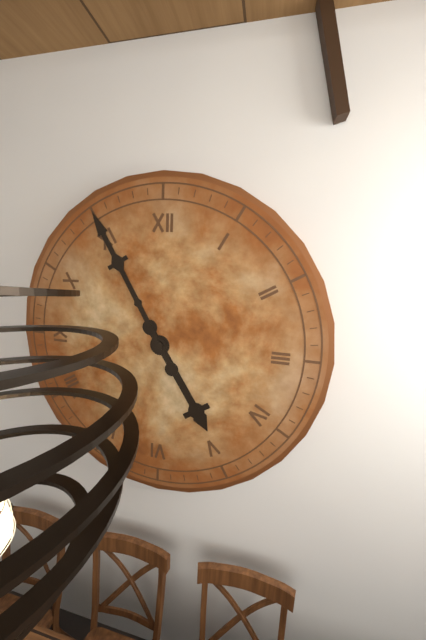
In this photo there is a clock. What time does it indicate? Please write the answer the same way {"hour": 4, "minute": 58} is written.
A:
{"hour": 4, "minute": 55}
